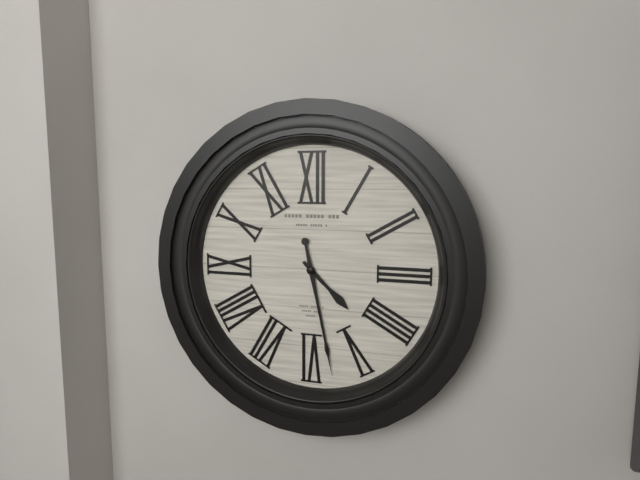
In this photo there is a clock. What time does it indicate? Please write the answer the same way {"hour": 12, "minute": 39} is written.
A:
{"hour": 4, "minute": 28}
